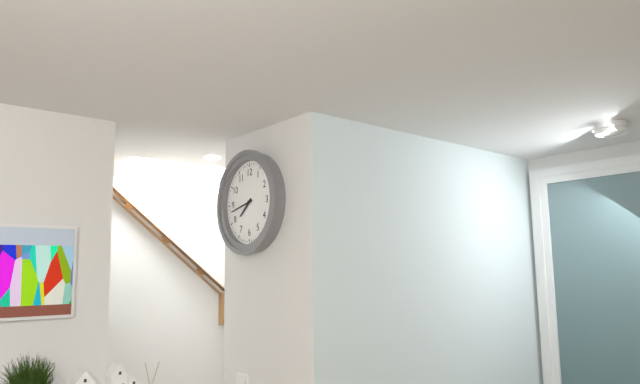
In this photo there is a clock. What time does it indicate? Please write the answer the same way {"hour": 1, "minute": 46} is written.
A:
{"hour": 7, "minute": 43}
